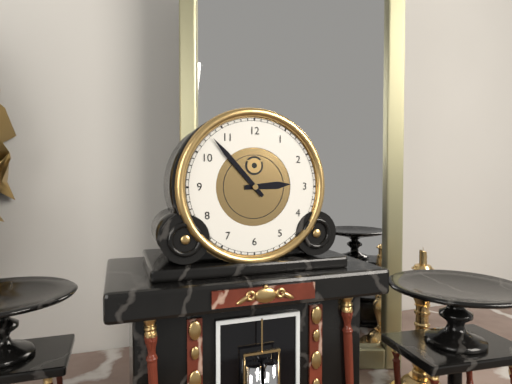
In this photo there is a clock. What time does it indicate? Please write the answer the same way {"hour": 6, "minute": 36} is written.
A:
{"hour": 2, "minute": 53}
